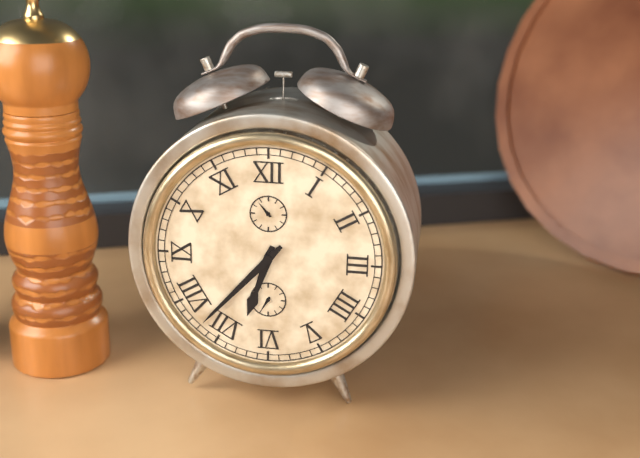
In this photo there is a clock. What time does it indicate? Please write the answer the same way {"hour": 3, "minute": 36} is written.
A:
{"hour": 6, "minute": 37}
